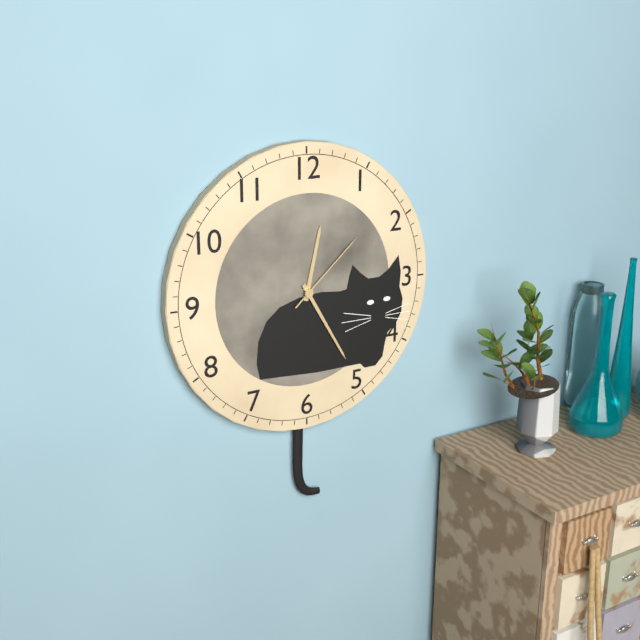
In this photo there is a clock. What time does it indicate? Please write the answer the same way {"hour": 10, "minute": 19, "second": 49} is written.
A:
{"hour": 12, "minute": 25, "second": 8}
